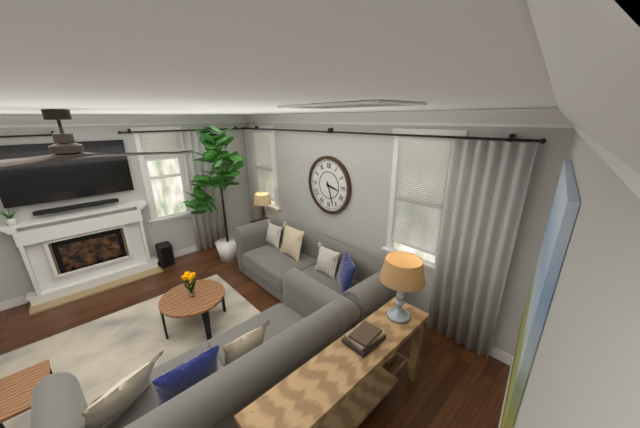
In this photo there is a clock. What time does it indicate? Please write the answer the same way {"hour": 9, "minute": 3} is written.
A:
{"hour": 3, "minute": 27}
